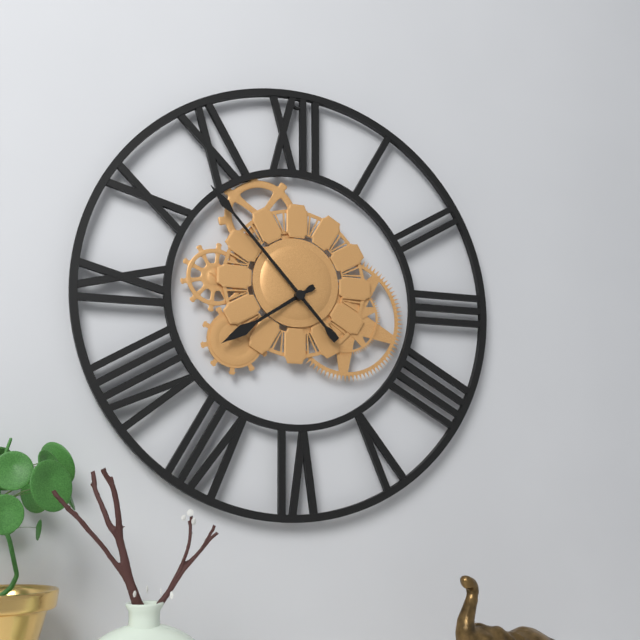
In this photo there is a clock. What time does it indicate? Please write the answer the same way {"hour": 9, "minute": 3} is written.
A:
{"hour": 7, "minute": 53}
